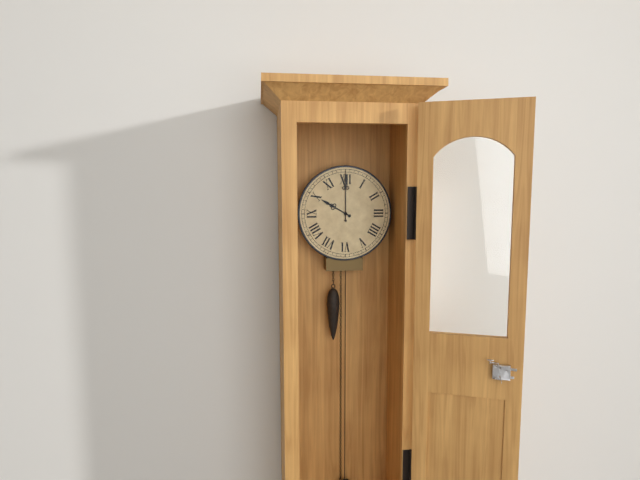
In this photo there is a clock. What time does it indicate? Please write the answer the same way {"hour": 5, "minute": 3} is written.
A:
{"hour": 10, "minute": 0}
